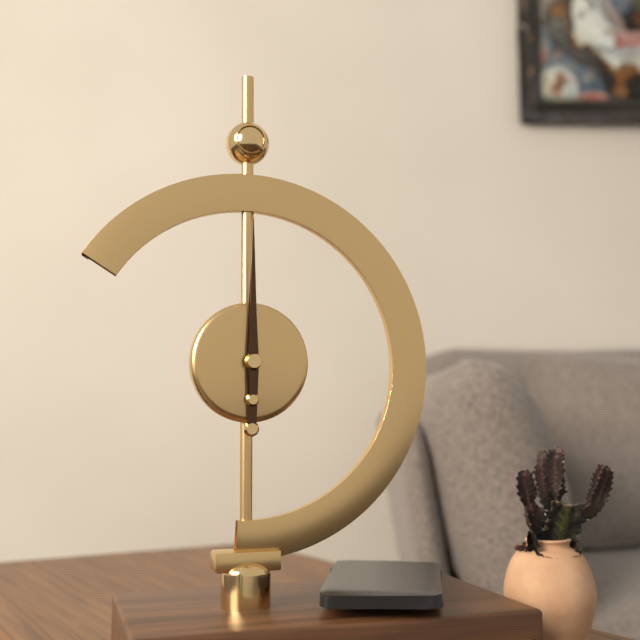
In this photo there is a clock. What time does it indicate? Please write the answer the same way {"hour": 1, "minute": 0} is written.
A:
{"hour": 12, "minute": 0}
